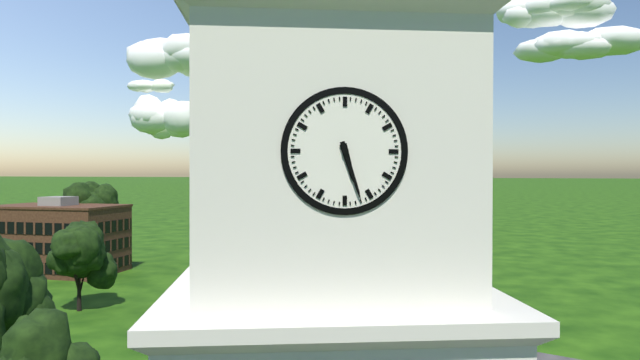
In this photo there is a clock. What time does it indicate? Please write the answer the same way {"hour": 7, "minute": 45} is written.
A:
{"hour": 5, "minute": 27}
